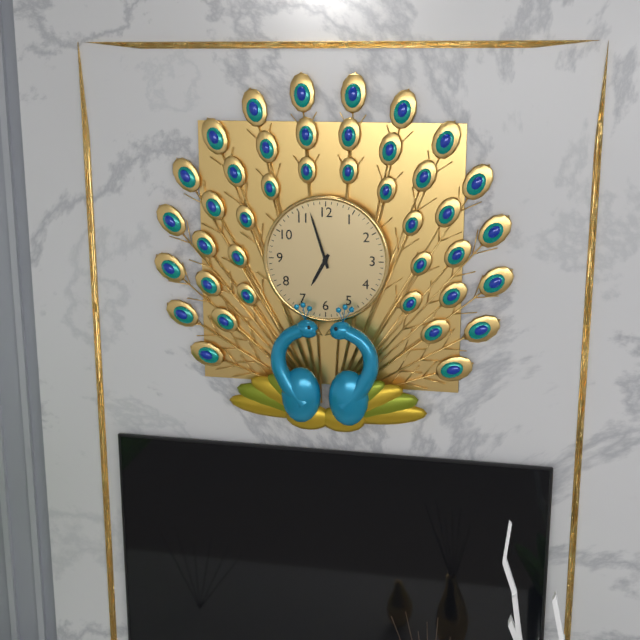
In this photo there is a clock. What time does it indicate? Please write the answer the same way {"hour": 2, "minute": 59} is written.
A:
{"hour": 6, "minute": 57}
